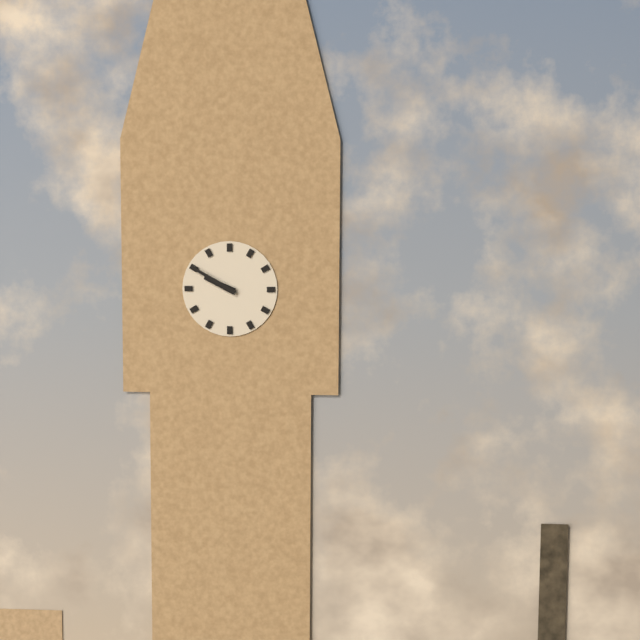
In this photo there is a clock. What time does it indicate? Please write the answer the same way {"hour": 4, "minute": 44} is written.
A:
{"hour": 9, "minute": 50}
